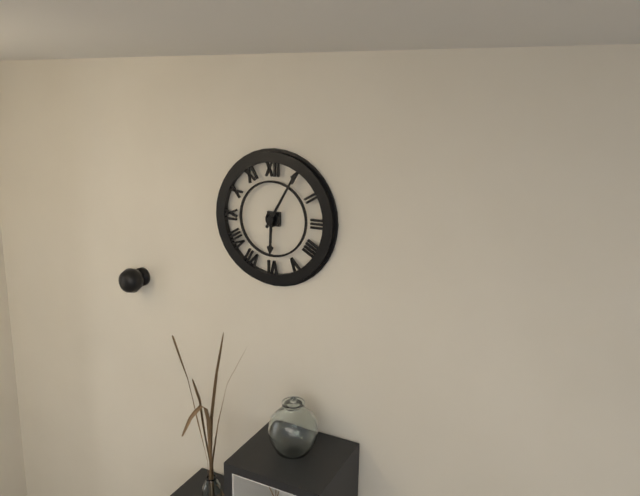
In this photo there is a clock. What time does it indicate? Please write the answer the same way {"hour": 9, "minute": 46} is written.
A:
{"hour": 6, "minute": 5}
